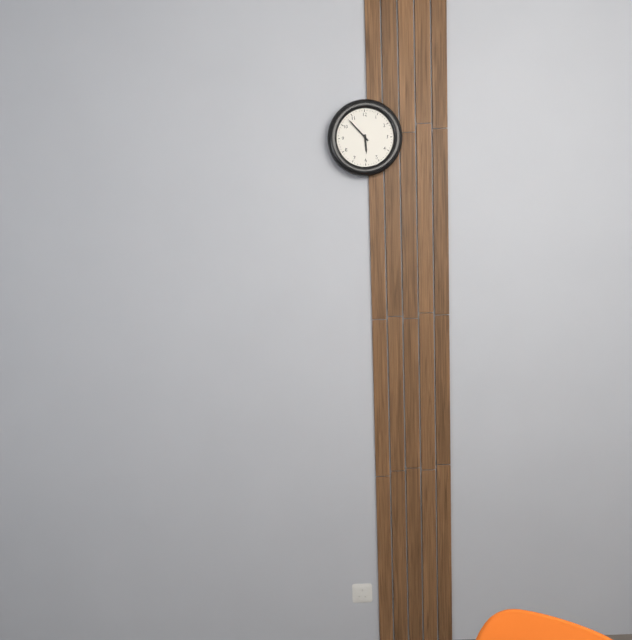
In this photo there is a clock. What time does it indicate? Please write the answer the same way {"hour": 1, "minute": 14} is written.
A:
{"hour": 5, "minute": 53}
